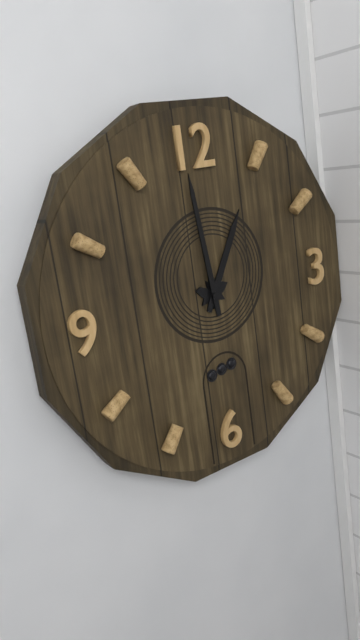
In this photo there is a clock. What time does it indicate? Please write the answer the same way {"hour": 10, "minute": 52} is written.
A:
{"hour": 12, "minute": 59}
